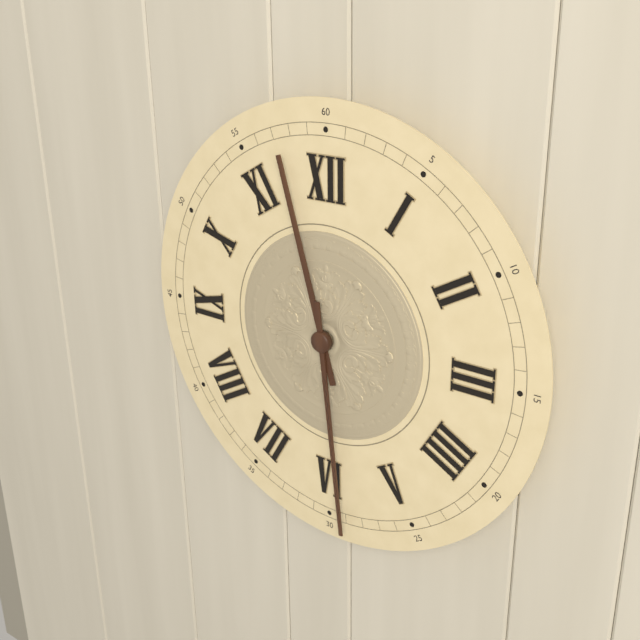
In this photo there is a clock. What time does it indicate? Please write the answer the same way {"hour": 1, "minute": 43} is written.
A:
{"hour": 11, "minute": 29}
